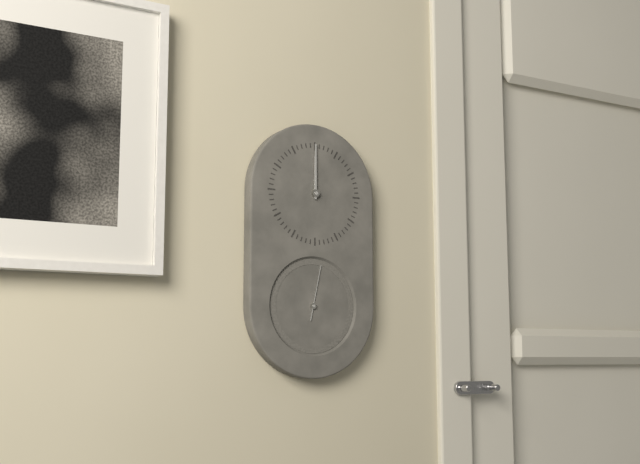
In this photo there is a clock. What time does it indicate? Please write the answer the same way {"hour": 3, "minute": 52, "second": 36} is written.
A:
{"hour": 12, "minute": 0, "second": 2}
